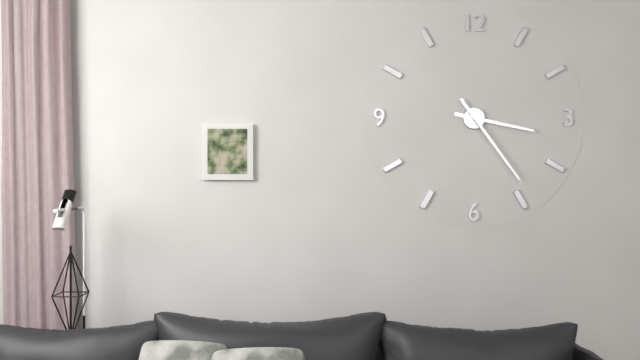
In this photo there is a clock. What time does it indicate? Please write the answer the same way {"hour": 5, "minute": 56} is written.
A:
{"hour": 3, "minute": 24}
